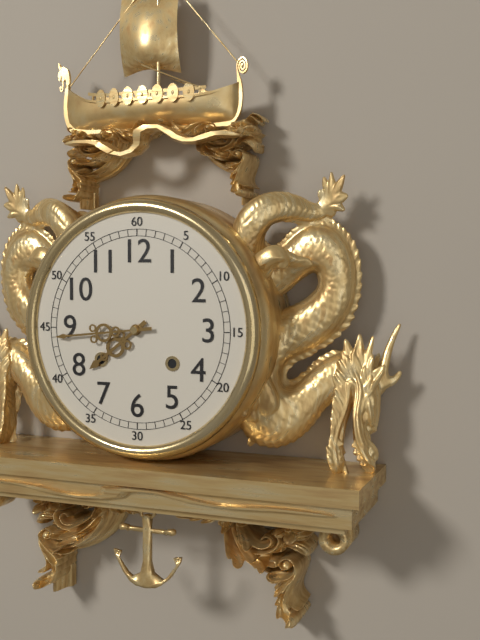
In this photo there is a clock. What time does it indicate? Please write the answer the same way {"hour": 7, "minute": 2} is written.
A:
{"hour": 7, "minute": 44}
